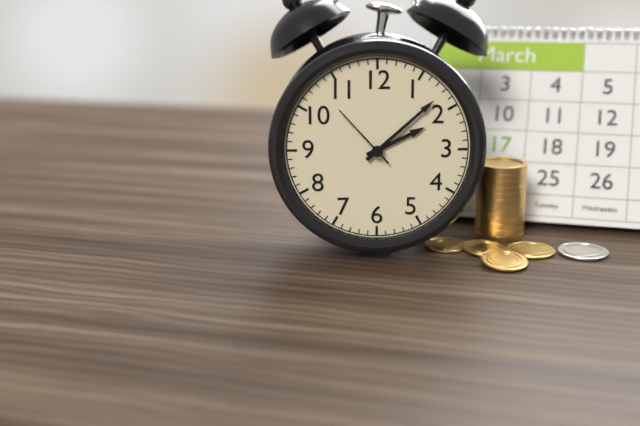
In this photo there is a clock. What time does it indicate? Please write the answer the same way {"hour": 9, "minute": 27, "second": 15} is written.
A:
{"hour": 2, "minute": 8, "second": 53}
